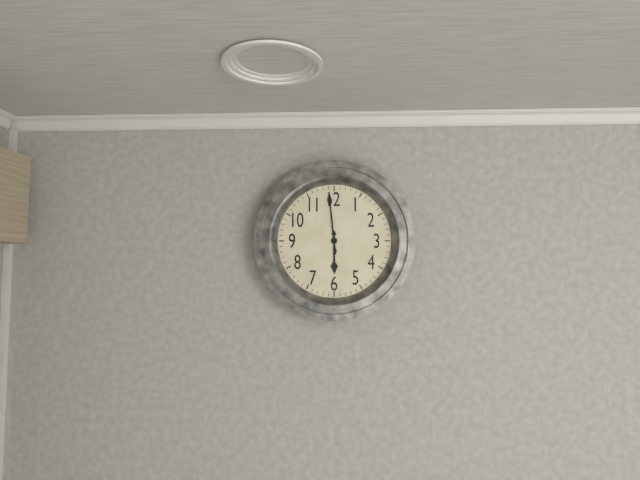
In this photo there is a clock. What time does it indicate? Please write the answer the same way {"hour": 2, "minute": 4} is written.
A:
{"hour": 5, "minute": 59}
